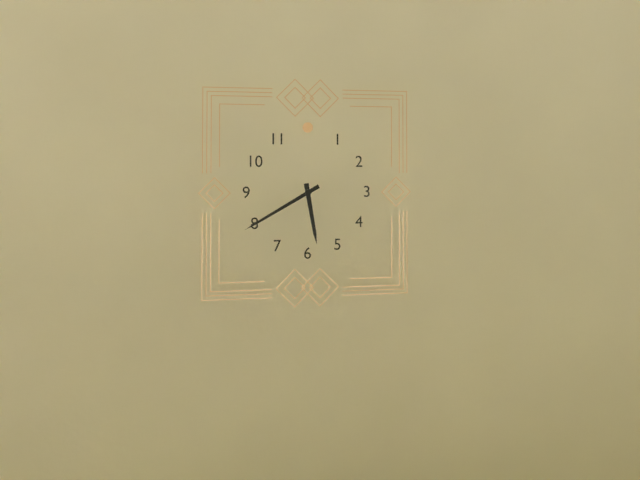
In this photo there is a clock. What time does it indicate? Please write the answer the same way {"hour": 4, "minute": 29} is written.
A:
{"hour": 5, "minute": 40}
